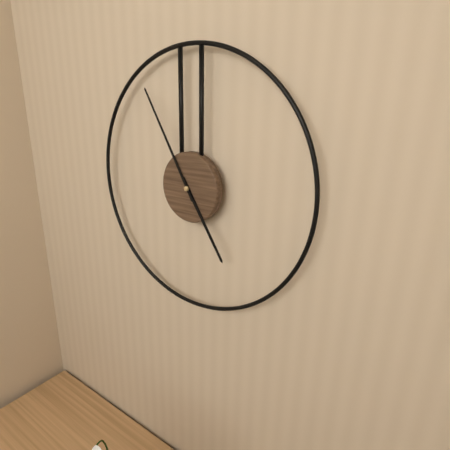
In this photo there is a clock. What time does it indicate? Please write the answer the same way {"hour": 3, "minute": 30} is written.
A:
{"hour": 4, "minute": 55}
